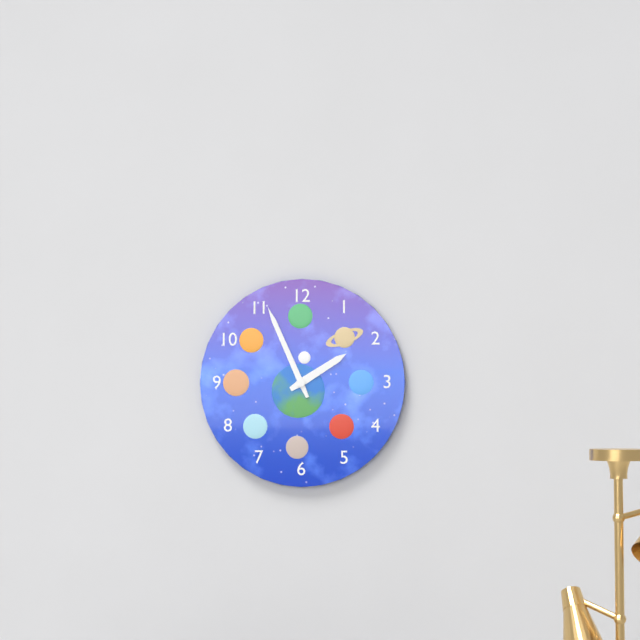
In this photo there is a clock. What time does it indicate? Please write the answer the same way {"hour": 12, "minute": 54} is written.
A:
{"hour": 1, "minute": 56}
